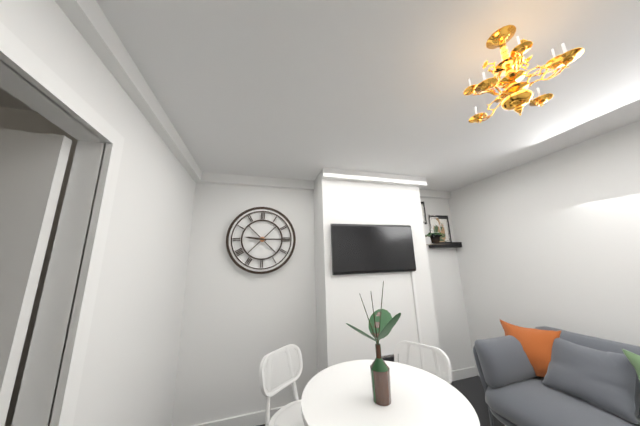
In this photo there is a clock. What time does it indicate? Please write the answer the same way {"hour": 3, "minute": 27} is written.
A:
{"hour": 9, "minute": 15}
